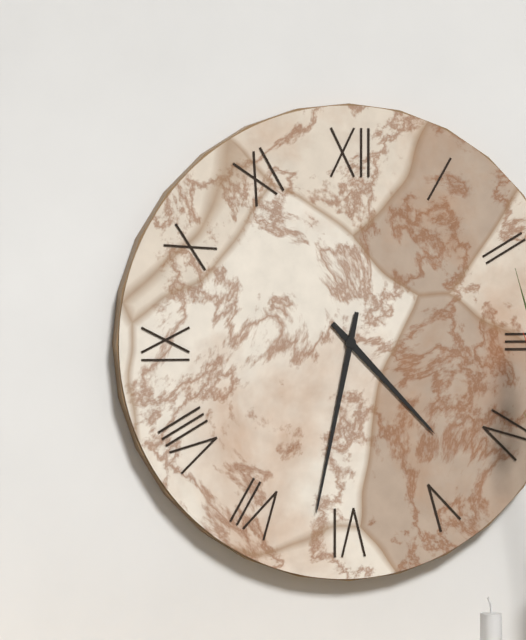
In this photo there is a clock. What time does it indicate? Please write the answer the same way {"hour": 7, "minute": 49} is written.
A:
{"hour": 4, "minute": 32}
